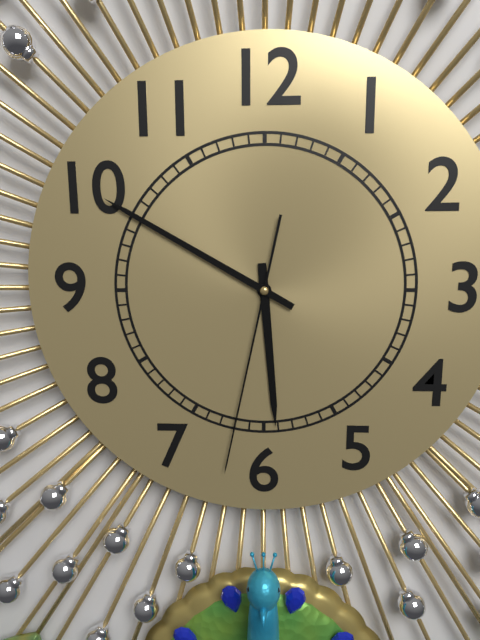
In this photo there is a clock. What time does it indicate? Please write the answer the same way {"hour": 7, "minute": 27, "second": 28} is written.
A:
{"hour": 5, "minute": 50, "second": 32}
